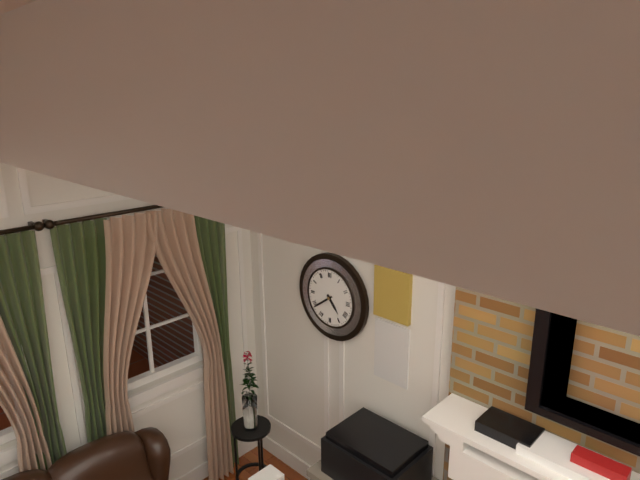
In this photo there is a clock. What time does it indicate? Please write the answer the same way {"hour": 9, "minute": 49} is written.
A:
{"hour": 4, "minute": 39}
